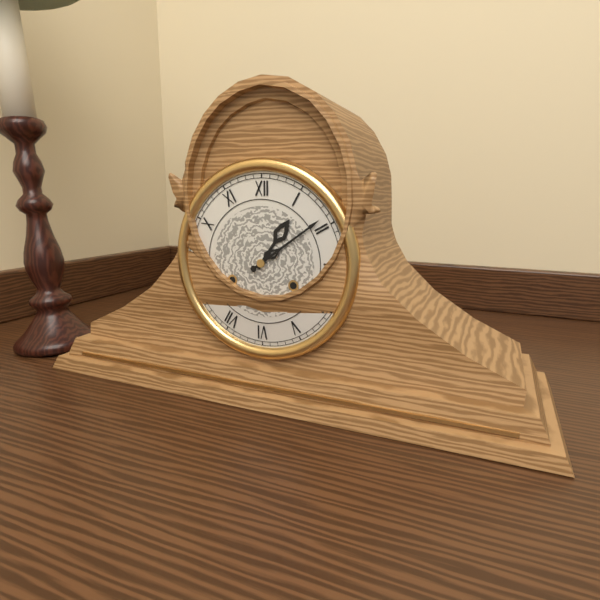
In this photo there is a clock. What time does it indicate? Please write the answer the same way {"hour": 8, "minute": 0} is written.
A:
{"hour": 1, "minute": 9}
